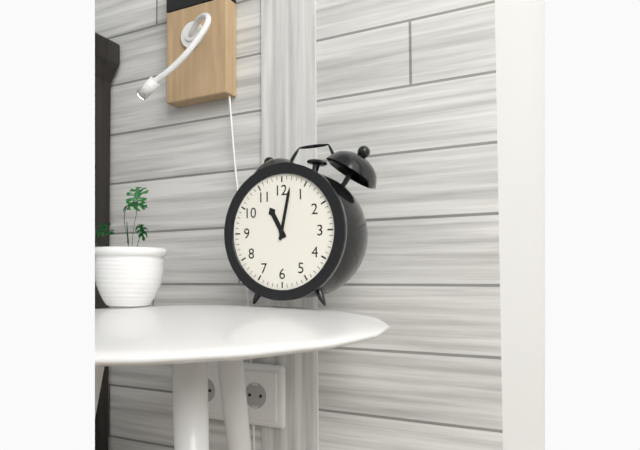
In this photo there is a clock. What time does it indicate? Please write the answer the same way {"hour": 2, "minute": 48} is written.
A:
{"hour": 11, "minute": 2}
